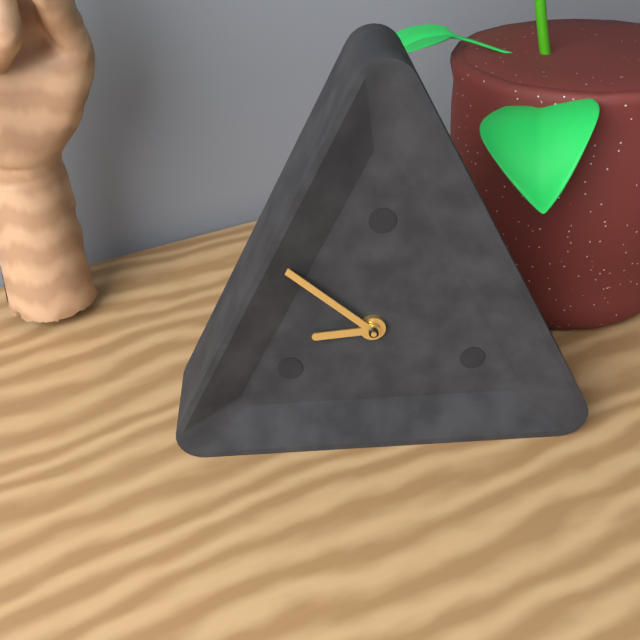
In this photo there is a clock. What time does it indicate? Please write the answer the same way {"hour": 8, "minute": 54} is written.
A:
{"hour": 8, "minute": 52}
